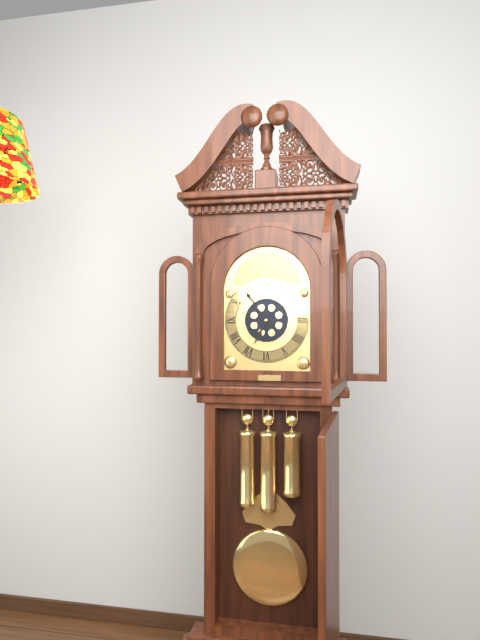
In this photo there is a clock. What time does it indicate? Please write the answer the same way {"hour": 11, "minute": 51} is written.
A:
{"hour": 6, "minute": 54}
